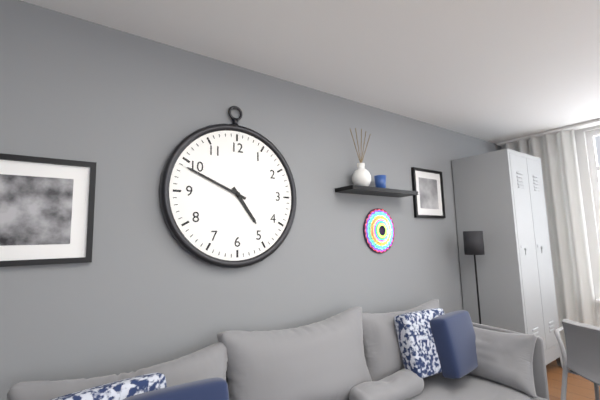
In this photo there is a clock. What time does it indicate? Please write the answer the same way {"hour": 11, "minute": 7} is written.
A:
{"hour": 4, "minute": 49}
